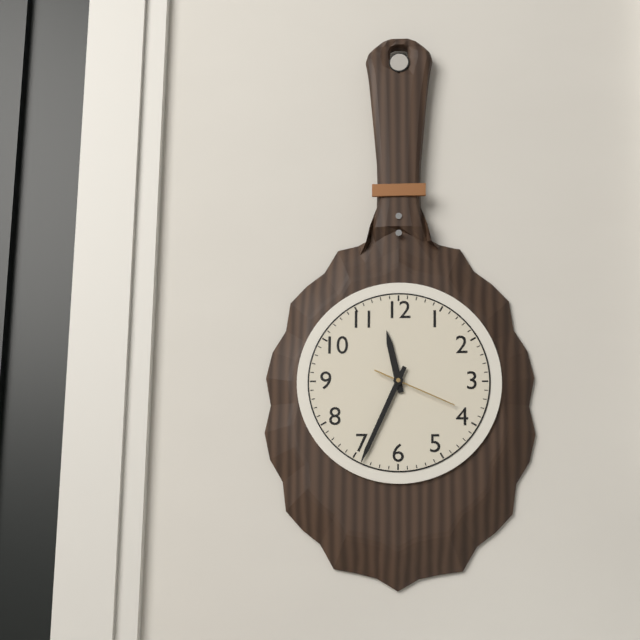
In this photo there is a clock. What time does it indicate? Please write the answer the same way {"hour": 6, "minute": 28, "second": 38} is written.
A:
{"hour": 11, "minute": 34, "second": 19}
